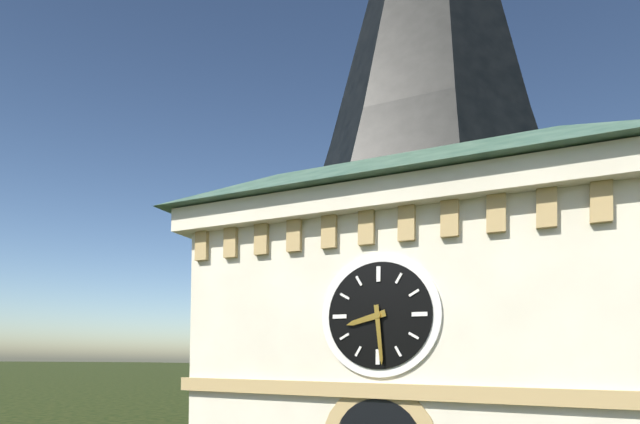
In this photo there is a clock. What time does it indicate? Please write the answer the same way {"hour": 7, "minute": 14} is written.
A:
{"hour": 8, "minute": 29}
